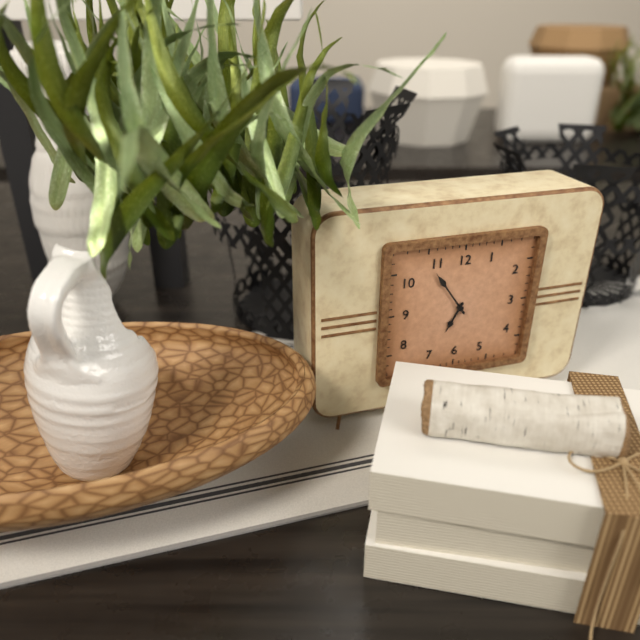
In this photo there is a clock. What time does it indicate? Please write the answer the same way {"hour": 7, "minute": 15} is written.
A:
{"hour": 6, "minute": 54}
